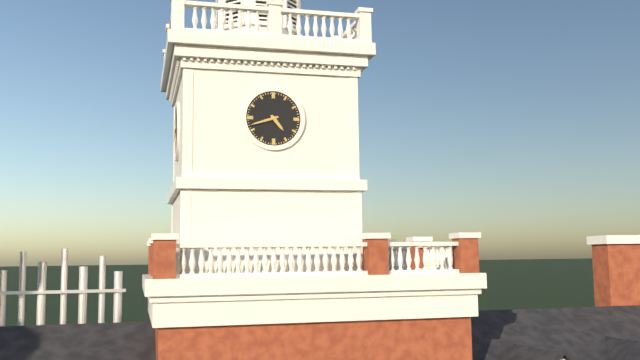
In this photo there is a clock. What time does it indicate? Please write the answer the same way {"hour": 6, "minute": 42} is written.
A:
{"hour": 4, "minute": 42}
